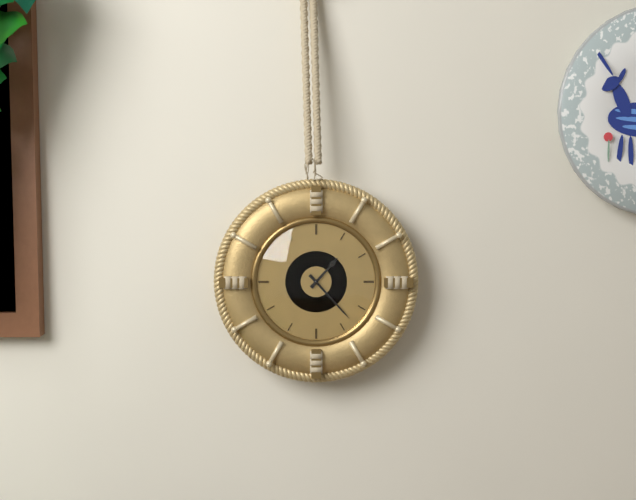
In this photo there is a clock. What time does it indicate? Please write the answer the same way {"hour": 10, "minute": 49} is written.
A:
{"hour": 1, "minute": 23}
